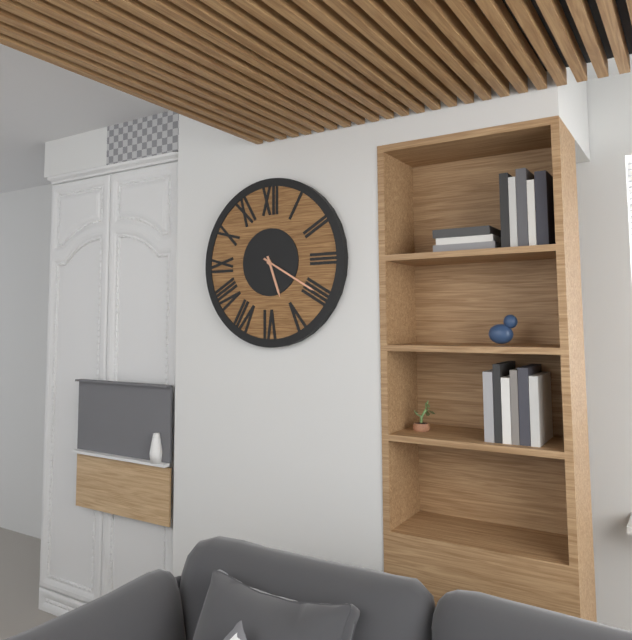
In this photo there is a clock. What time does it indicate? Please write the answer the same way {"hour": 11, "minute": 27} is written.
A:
{"hour": 5, "minute": 20}
